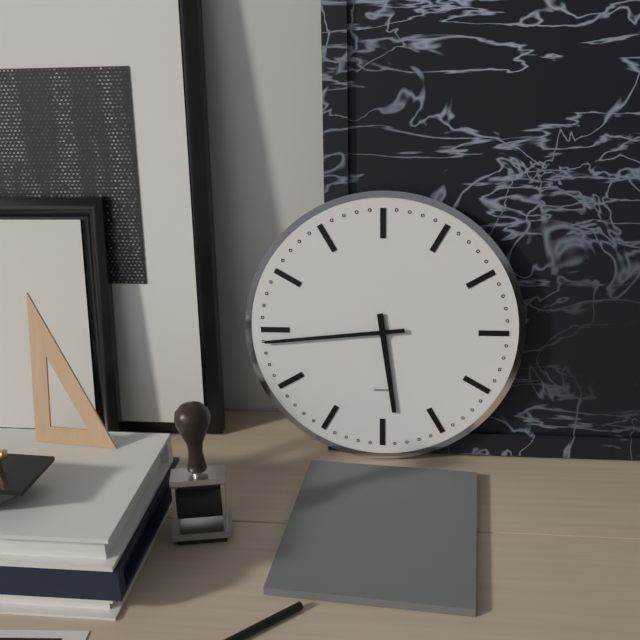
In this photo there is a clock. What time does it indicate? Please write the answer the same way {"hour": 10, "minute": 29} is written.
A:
{"hour": 5, "minute": 44}
